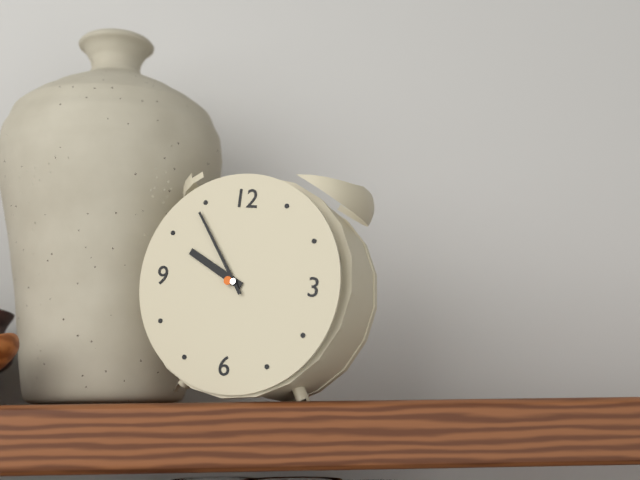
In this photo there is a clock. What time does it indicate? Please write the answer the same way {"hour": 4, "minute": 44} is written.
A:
{"hour": 9, "minute": 54}
